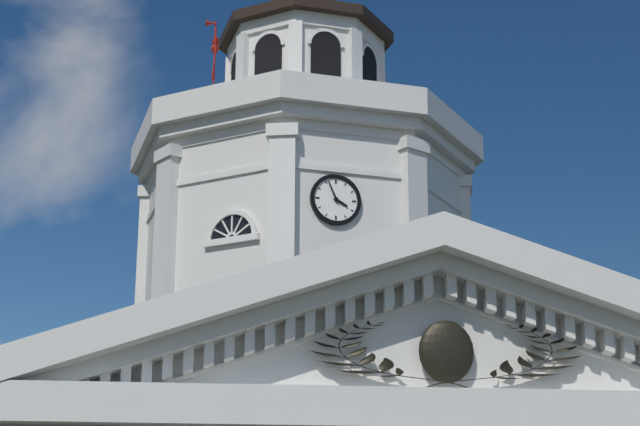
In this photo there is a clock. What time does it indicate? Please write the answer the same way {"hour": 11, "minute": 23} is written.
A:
{"hour": 3, "minute": 56}
